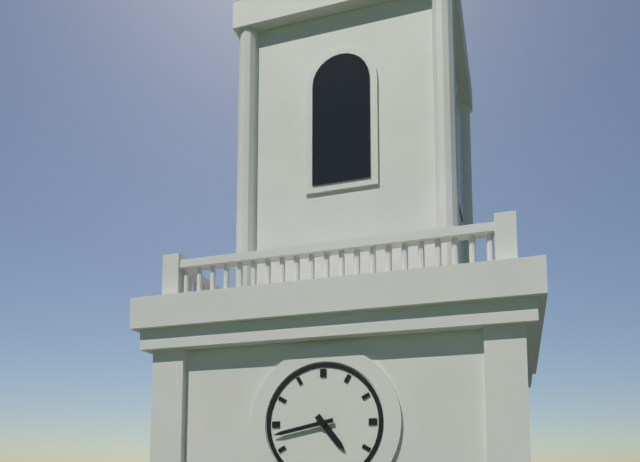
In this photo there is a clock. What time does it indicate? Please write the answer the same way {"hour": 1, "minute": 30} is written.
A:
{"hour": 4, "minute": 43}
